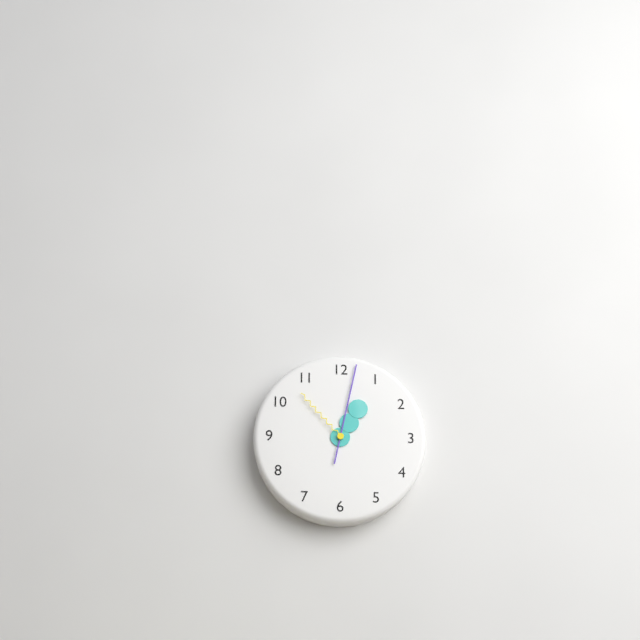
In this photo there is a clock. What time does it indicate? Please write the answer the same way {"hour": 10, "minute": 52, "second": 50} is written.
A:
{"hour": 1, "minute": 2, "second": 53}
